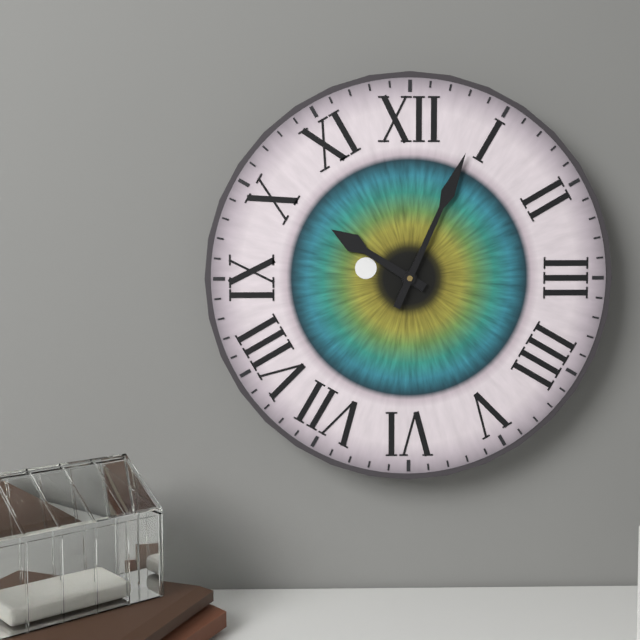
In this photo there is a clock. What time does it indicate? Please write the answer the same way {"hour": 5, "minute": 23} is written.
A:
{"hour": 10, "minute": 4}
